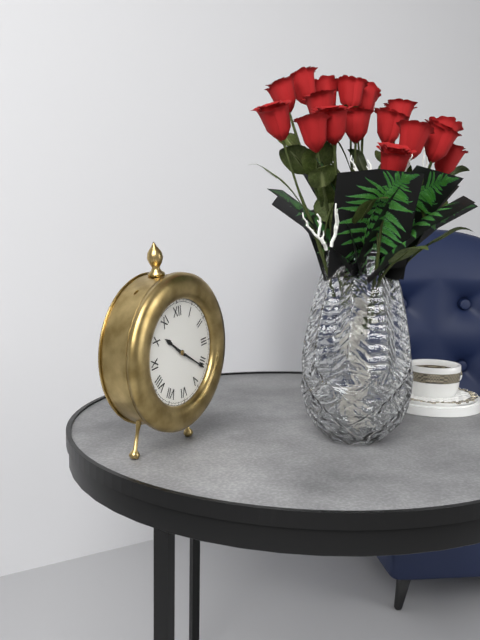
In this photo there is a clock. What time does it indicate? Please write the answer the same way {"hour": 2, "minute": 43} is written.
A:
{"hour": 10, "minute": 21}
